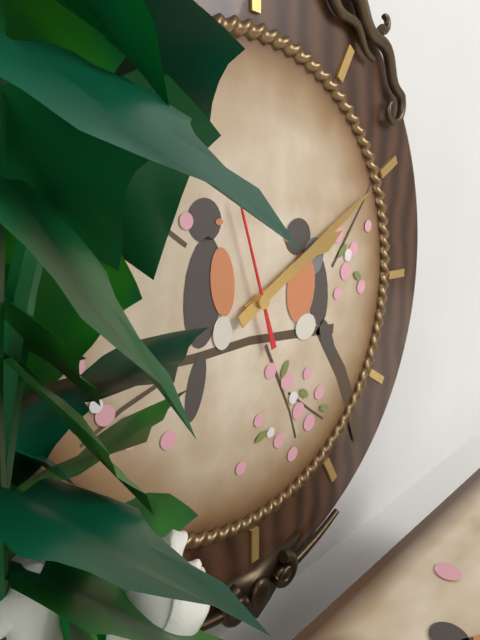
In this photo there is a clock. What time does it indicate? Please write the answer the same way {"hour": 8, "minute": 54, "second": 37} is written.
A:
{"hour": 2, "minute": 10, "second": 57}
